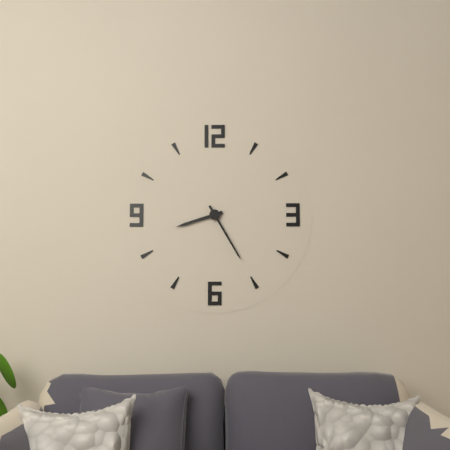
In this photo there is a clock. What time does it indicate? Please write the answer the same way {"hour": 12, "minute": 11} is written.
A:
{"hour": 8, "minute": 25}
